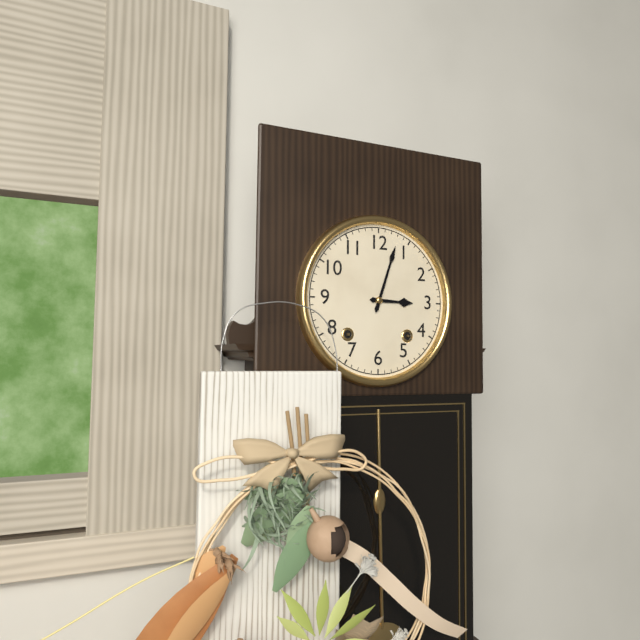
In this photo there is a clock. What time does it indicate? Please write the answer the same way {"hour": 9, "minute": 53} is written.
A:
{"hour": 3, "minute": 3}
